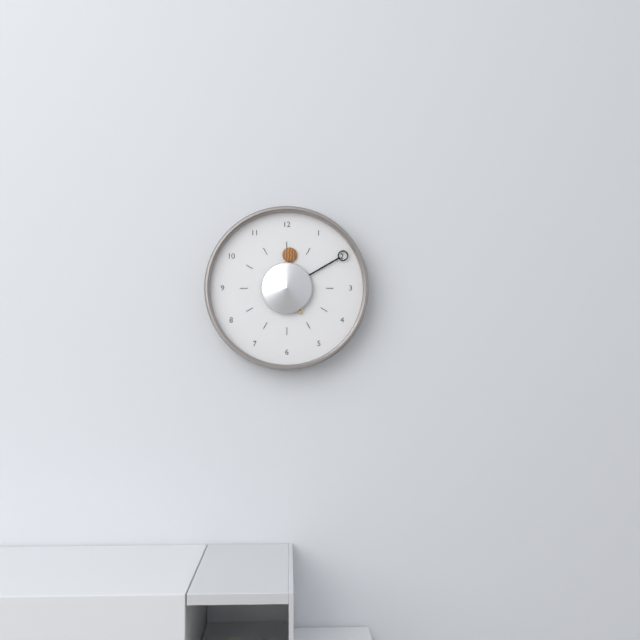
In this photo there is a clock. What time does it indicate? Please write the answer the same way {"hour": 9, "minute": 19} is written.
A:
{"hour": 12, "minute": 10}
